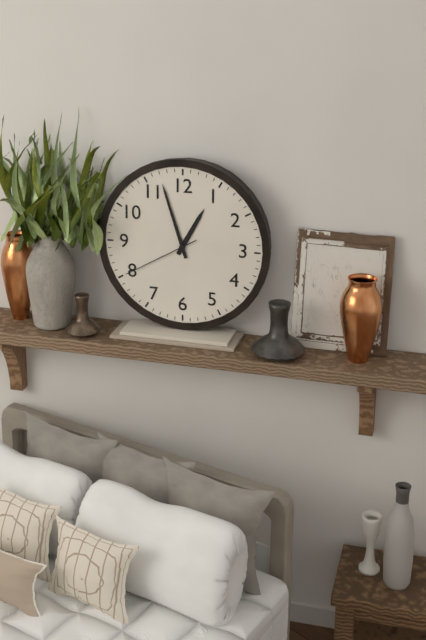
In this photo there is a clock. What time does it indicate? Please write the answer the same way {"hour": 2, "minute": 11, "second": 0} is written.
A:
{"hour": 12, "minute": 57, "second": 40}
